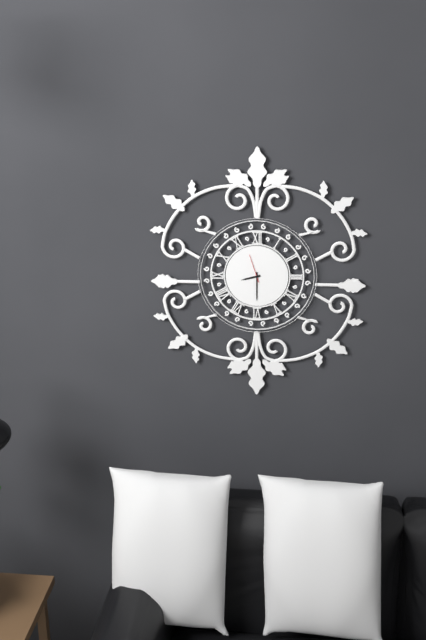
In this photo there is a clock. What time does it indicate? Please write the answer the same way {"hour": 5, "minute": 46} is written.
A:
{"hour": 8, "minute": 30}
